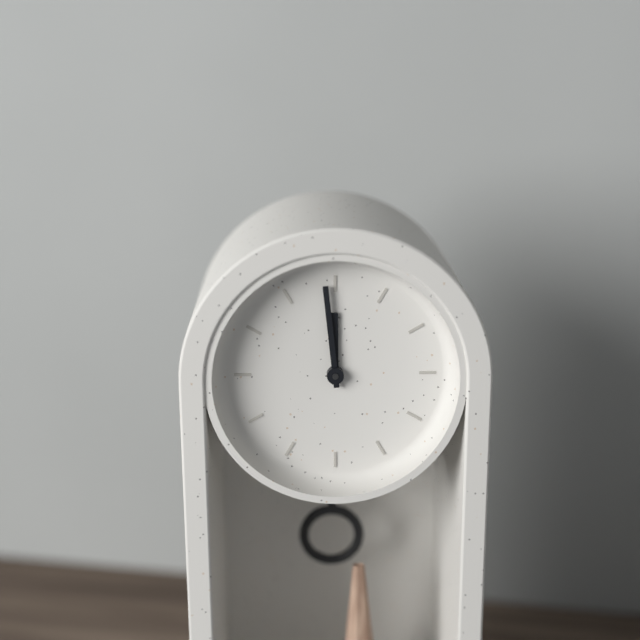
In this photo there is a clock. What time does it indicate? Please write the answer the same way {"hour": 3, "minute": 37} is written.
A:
{"hour": 11, "minute": 59}
